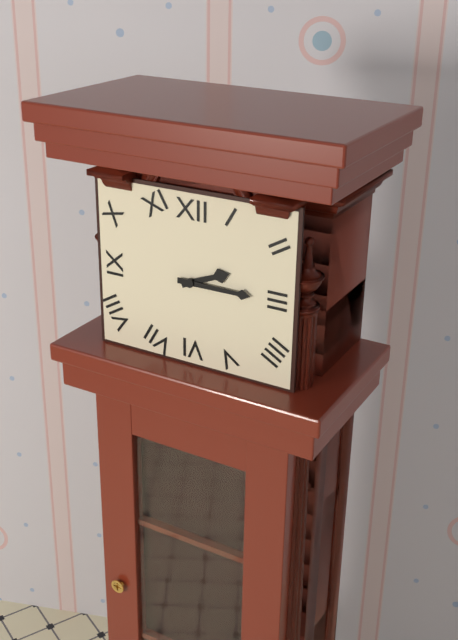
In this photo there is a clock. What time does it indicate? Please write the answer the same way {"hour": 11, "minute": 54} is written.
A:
{"hour": 2, "minute": 15}
